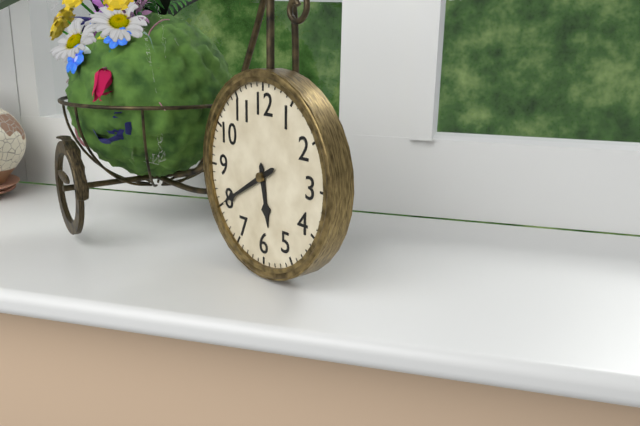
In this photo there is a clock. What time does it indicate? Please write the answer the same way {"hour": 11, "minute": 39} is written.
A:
{"hour": 5, "minute": 40}
